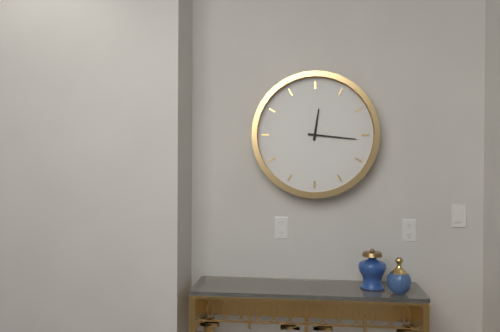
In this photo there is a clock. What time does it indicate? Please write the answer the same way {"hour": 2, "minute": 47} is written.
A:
{"hour": 12, "minute": 16}
